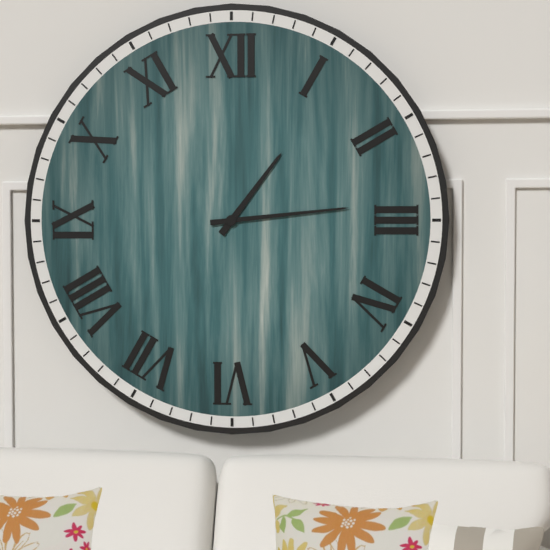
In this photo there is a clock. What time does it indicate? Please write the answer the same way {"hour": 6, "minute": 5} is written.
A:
{"hour": 1, "minute": 14}
